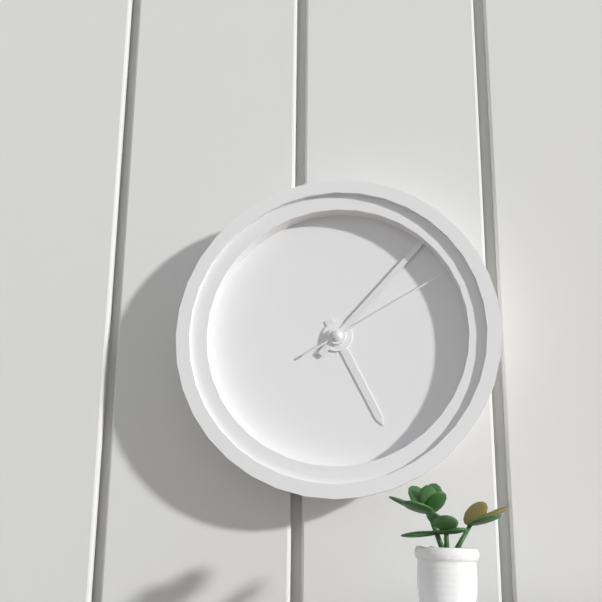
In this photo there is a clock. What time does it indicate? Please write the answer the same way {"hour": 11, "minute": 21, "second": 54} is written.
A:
{"hour": 5, "minute": 7, "second": 10}
